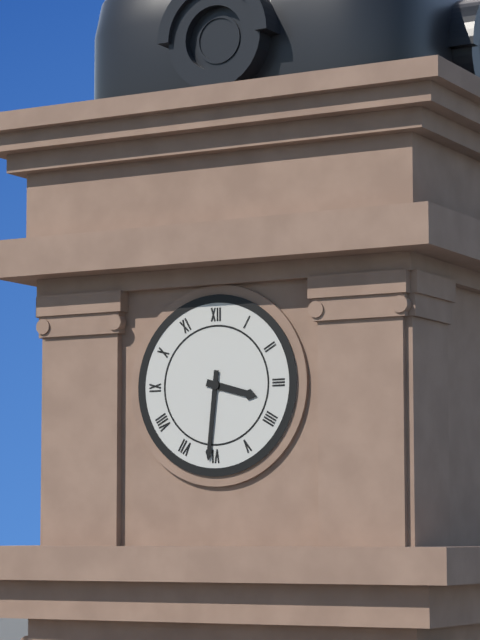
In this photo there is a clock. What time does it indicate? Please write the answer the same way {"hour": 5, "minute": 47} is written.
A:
{"hour": 3, "minute": 31}
